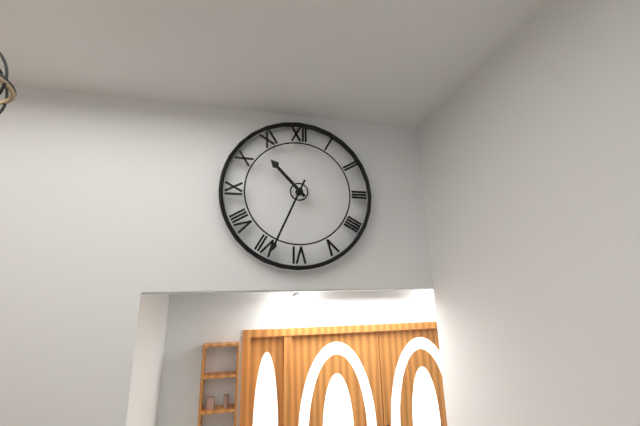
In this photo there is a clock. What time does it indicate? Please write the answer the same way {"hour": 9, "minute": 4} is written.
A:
{"hour": 10, "minute": 34}
